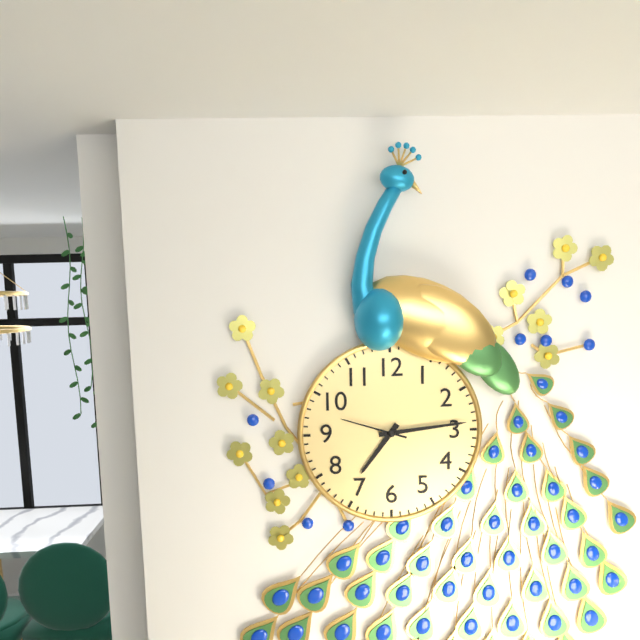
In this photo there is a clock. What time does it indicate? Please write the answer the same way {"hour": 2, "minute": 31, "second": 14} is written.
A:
{"hour": 7, "minute": 14, "second": 48}
